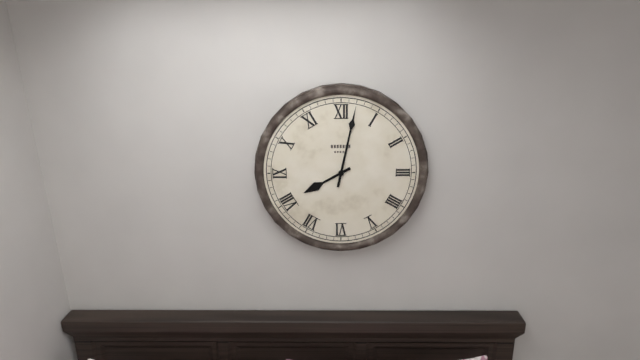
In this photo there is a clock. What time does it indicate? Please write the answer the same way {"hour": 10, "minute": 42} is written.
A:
{"hour": 8, "minute": 2}
